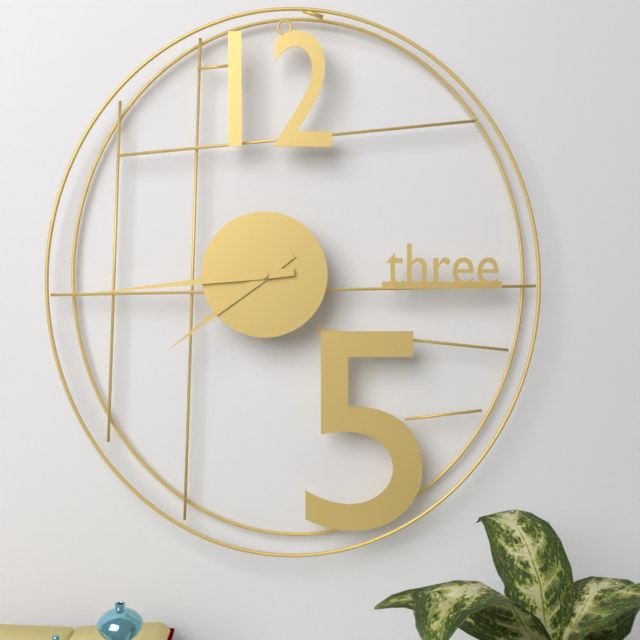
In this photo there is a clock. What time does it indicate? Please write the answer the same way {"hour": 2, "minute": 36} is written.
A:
{"hour": 7, "minute": 44}
